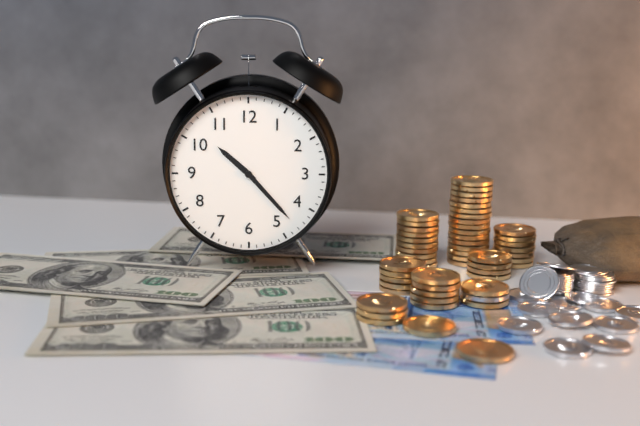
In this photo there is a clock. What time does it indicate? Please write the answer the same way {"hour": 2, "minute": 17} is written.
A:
{"hour": 10, "minute": 23}
